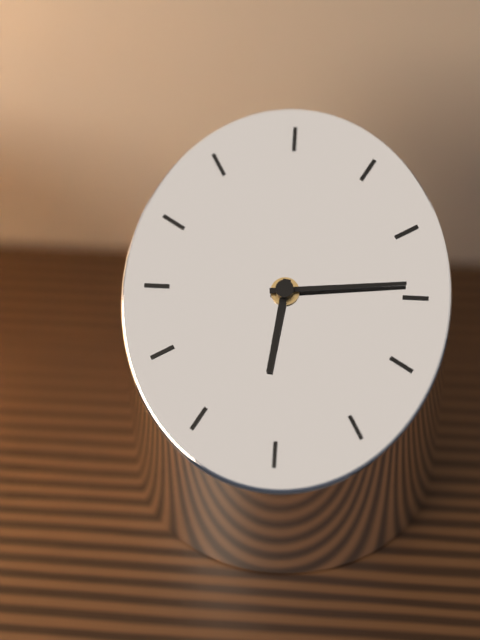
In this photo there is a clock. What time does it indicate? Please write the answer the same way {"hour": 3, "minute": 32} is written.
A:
{"hour": 6, "minute": 14}
